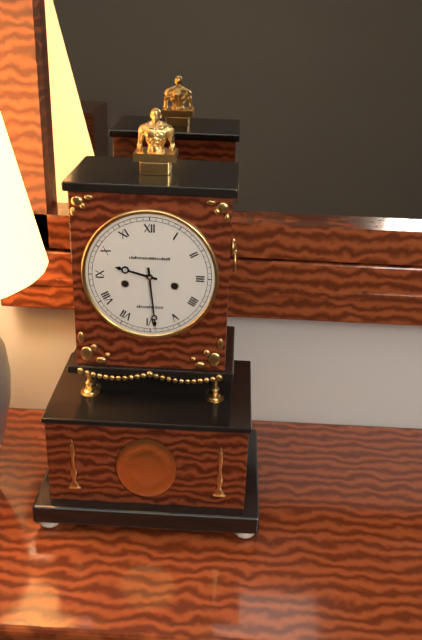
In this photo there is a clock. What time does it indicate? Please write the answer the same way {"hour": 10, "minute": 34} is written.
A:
{"hour": 9, "minute": 29}
